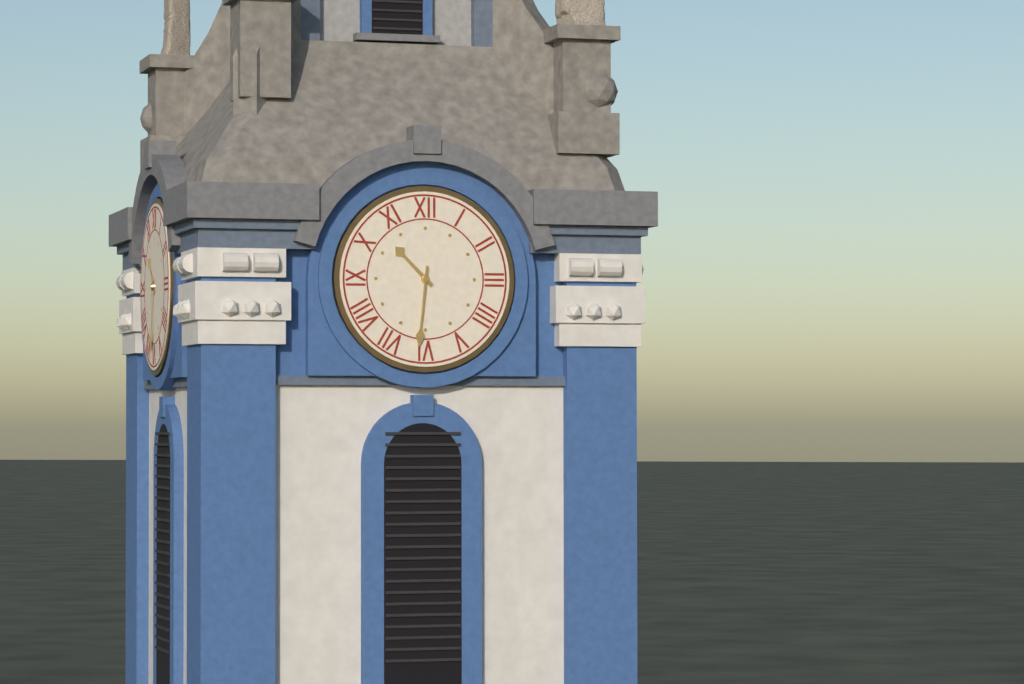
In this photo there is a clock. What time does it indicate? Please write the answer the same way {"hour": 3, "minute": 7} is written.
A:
{"hour": 10, "minute": 31}
